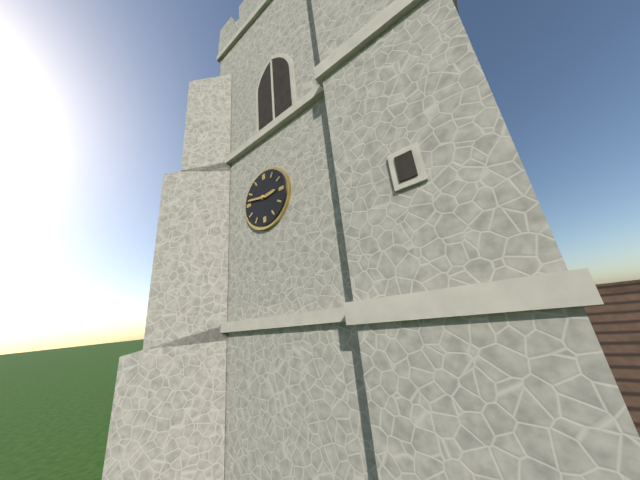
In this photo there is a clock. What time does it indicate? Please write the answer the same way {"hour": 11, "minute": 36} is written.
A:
{"hour": 2, "minute": 47}
